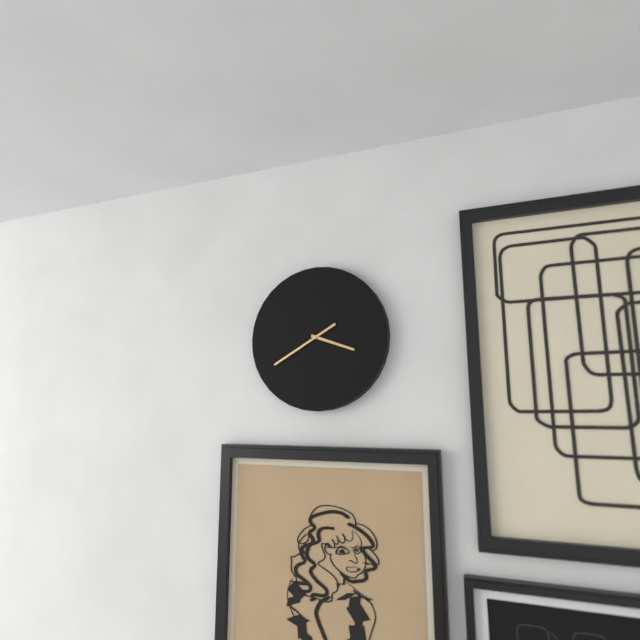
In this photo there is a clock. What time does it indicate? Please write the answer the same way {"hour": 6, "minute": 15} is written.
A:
{"hour": 3, "minute": 40}
